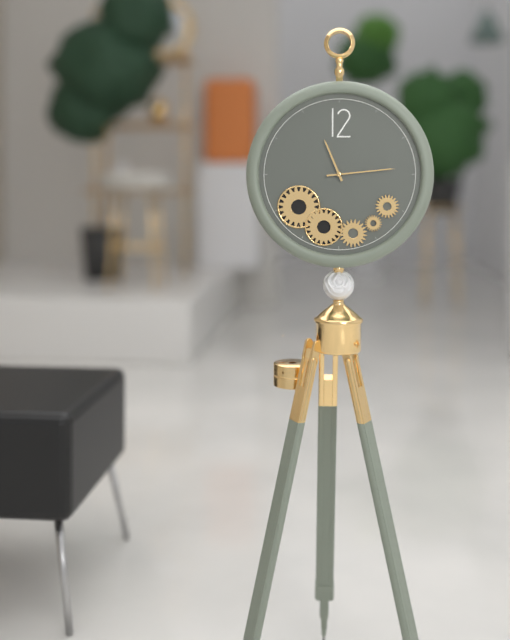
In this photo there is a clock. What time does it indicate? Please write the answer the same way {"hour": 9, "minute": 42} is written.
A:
{"hour": 11, "minute": 14}
